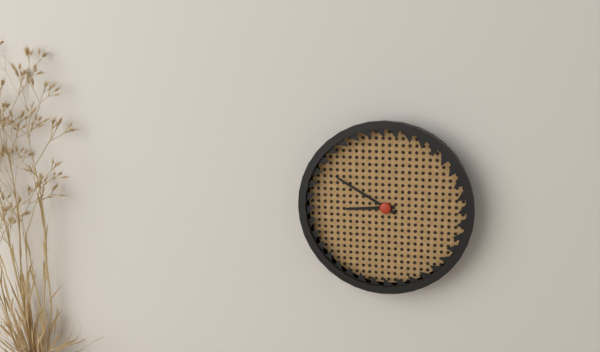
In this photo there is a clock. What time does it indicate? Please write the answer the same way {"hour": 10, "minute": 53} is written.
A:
{"hour": 8, "minute": 50}
